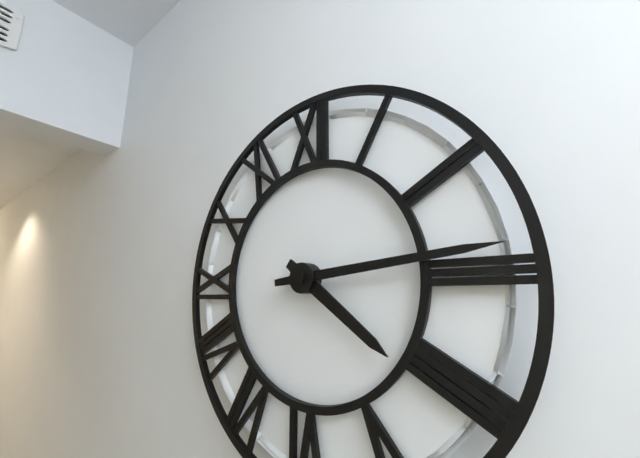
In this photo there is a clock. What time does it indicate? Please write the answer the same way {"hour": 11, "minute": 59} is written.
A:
{"hour": 4, "minute": 14}
